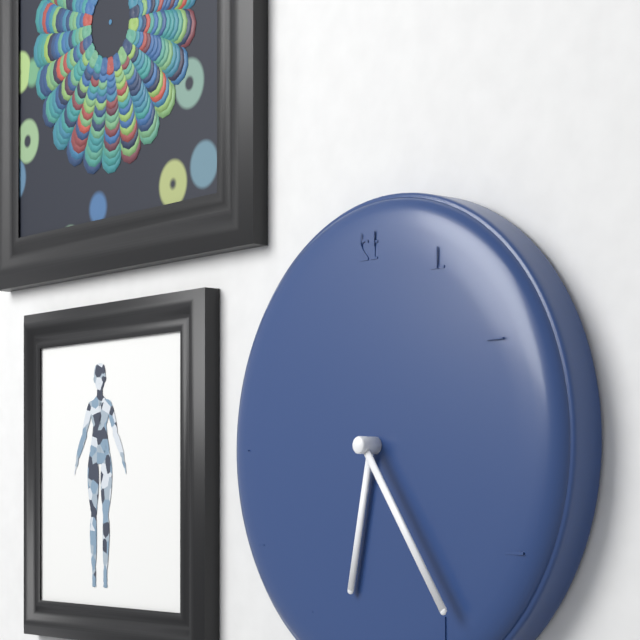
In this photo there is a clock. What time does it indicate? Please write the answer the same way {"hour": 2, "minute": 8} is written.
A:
{"hour": 6, "minute": 24}
